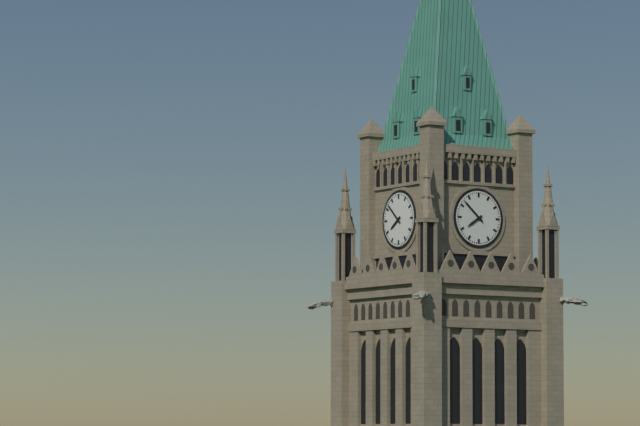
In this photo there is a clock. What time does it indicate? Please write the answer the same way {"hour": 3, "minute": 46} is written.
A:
{"hour": 7, "minute": 52}
